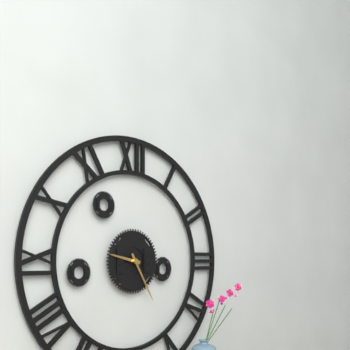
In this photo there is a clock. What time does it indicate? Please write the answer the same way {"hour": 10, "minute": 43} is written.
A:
{"hour": 9, "minute": 25}
